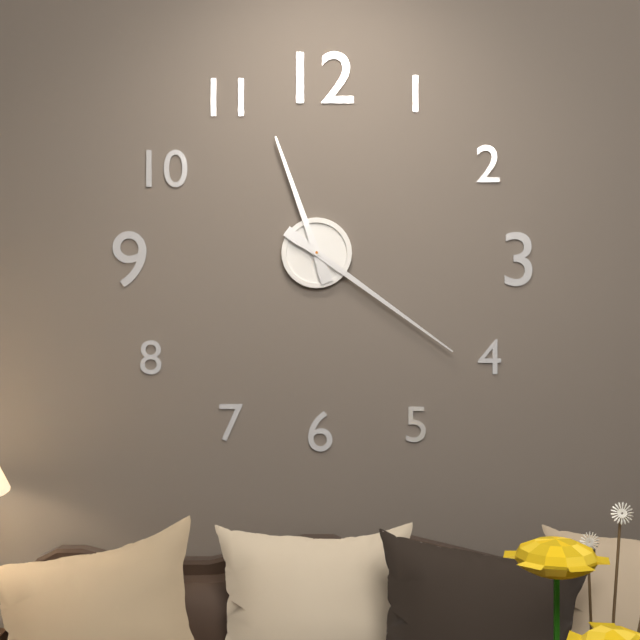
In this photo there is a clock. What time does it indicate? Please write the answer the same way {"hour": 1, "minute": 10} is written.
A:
{"hour": 11, "minute": 21}
